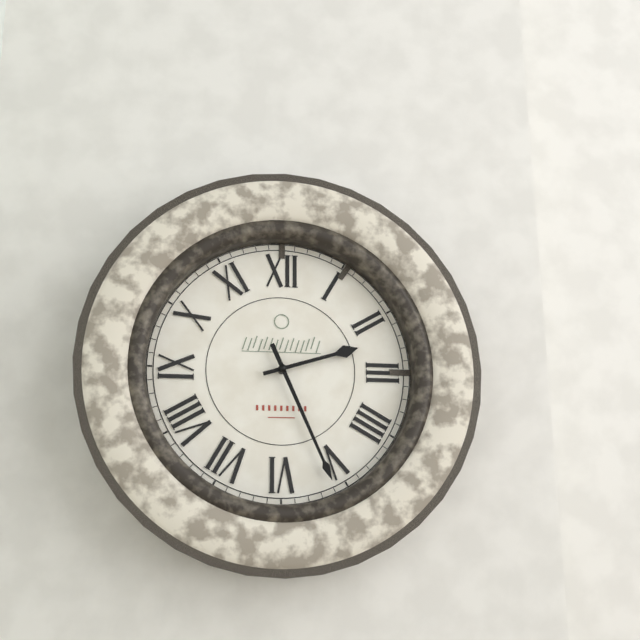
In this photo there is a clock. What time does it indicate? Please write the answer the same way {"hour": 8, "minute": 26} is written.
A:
{"hour": 2, "minute": 26}
